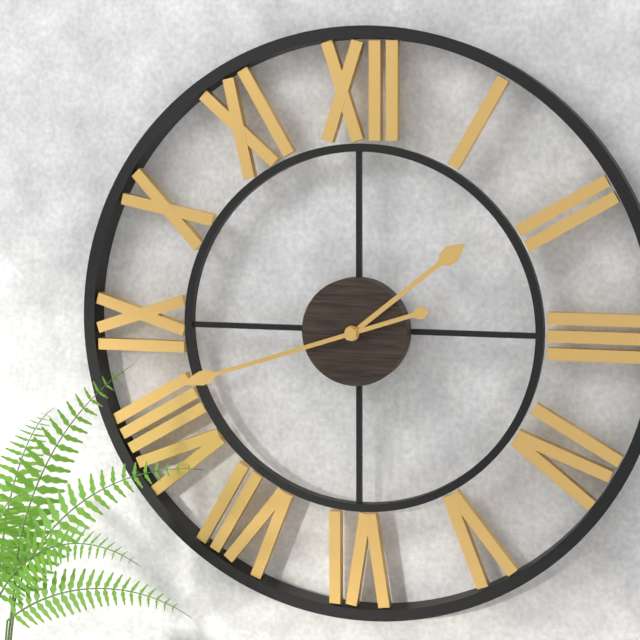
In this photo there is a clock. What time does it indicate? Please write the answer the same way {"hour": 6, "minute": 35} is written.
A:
{"hour": 1, "minute": 42}
